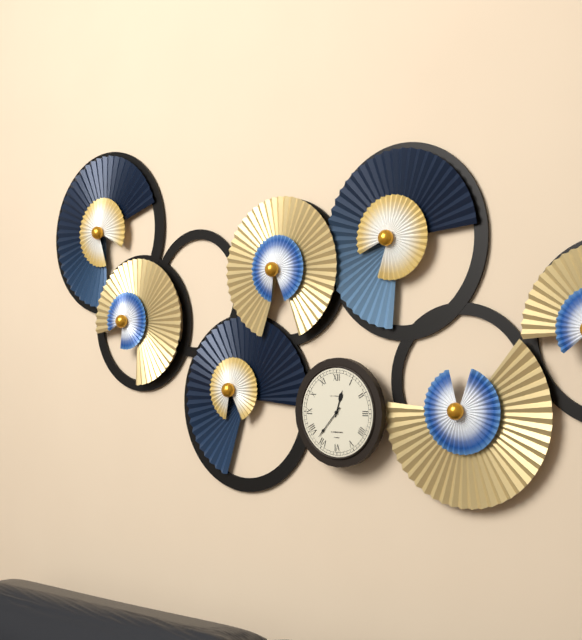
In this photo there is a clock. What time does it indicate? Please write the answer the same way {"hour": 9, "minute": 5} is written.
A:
{"hour": 12, "minute": 37}
